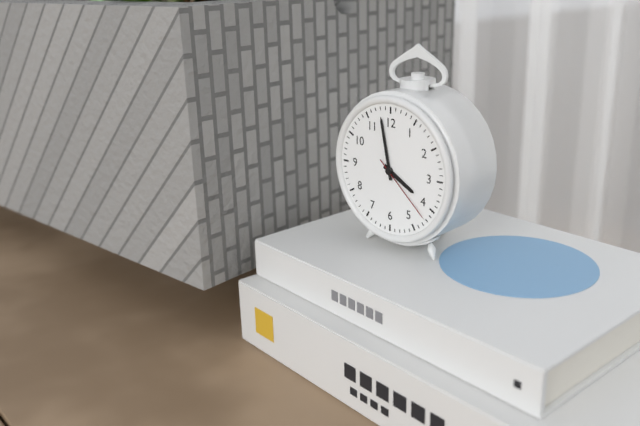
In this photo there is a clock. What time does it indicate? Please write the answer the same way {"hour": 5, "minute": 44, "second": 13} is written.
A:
{"hour": 3, "minute": 58, "second": 22}
